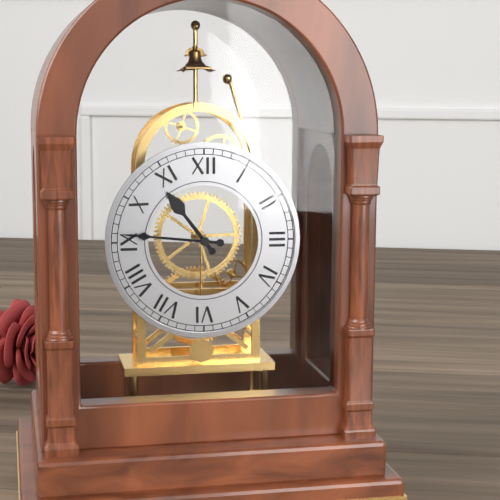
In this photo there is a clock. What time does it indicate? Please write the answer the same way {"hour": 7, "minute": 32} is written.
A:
{"hour": 10, "minute": 46}
